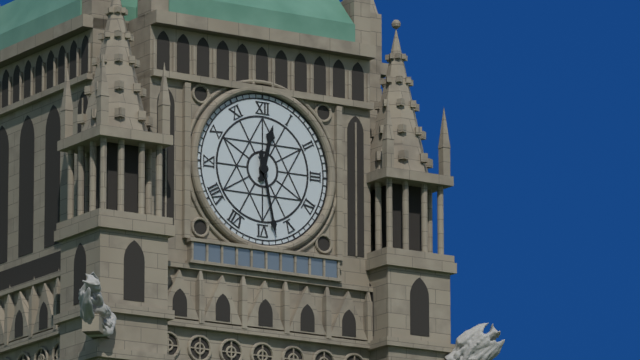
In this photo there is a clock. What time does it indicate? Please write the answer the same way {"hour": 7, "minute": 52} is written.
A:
{"hour": 12, "minute": 28}
